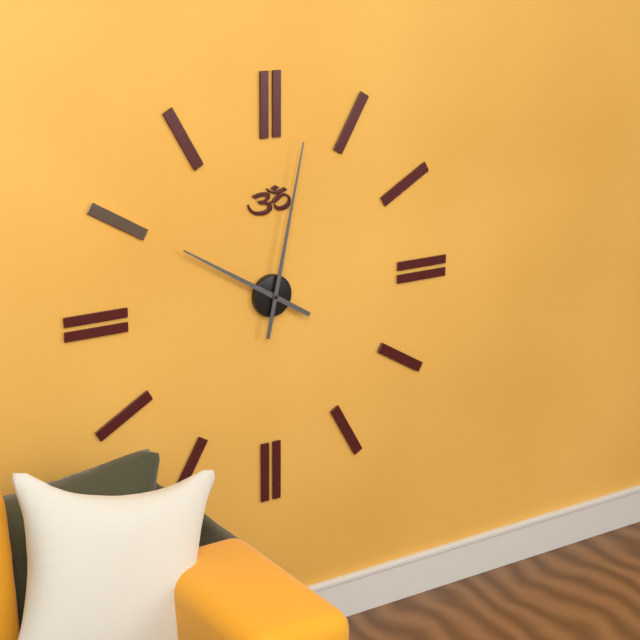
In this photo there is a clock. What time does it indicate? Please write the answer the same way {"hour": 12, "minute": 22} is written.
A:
{"hour": 10, "minute": 2}
